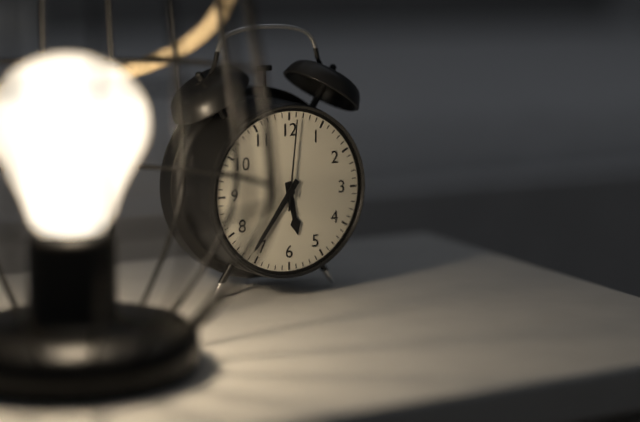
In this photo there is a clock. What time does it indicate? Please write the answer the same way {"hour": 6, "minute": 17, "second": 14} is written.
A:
{"hour": 5, "minute": 36, "second": 1}
